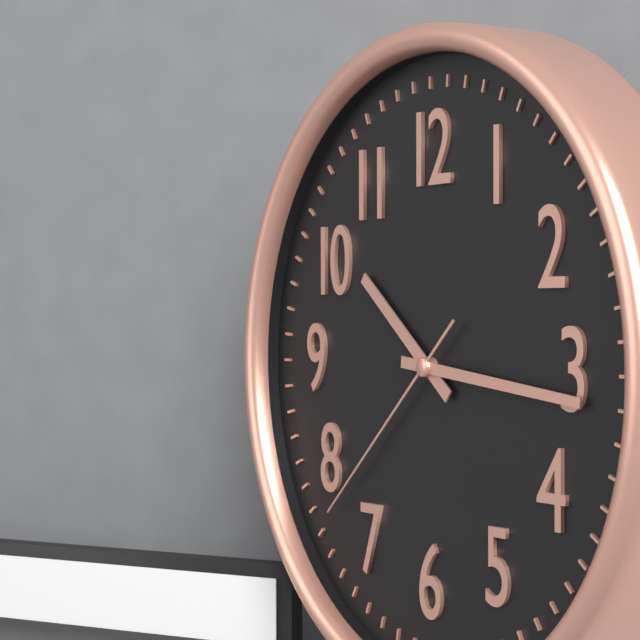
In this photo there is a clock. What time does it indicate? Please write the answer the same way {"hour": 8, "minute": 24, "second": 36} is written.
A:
{"hour": 10, "minute": 16, "second": 38}
